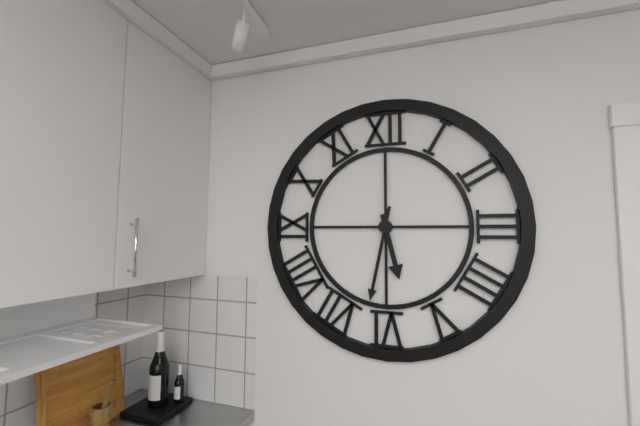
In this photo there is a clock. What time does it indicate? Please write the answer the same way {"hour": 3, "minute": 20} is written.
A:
{"hour": 5, "minute": 32}
